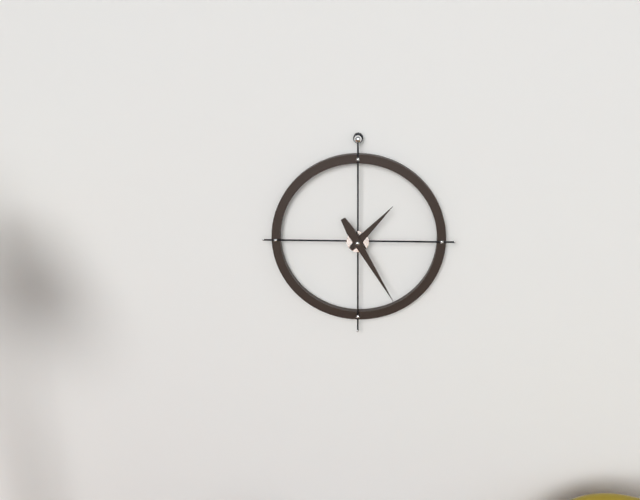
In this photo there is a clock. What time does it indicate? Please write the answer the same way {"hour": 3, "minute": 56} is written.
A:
{"hour": 1, "minute": 25}
